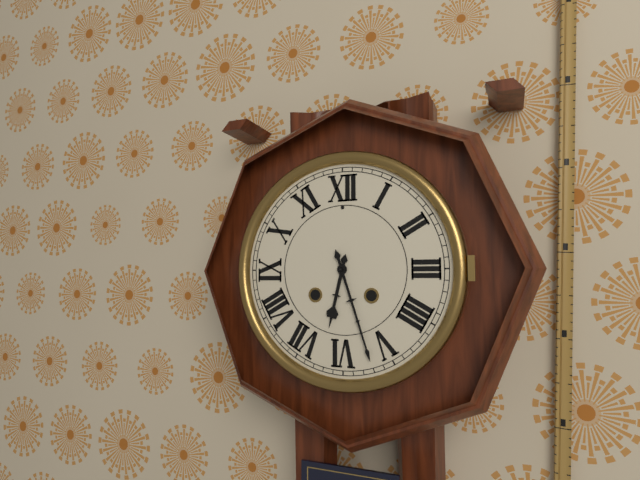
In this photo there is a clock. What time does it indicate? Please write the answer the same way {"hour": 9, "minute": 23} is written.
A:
{"hour": 6, "minute": 27}
